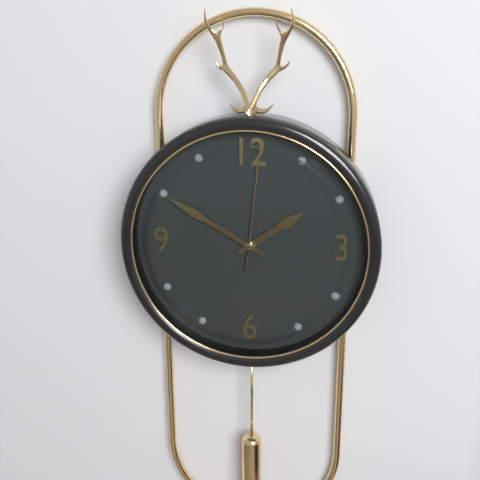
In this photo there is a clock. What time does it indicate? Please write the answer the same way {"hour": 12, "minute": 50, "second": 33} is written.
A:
{"hour": 1, "minute": 50, "second": 1}
